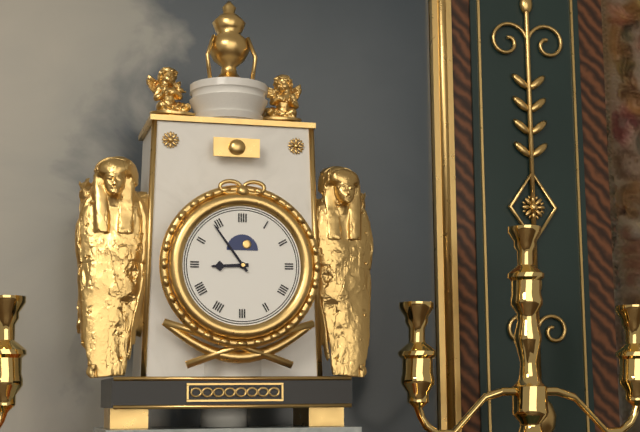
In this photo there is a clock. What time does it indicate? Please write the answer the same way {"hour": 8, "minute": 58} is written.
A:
{"hour": 8, "minute": 54}
